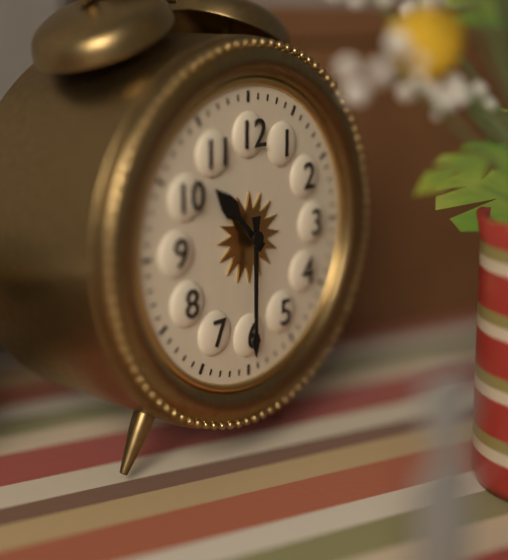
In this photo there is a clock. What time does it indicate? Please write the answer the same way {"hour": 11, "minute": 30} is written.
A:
{"hour": 10, "minute": 30}
